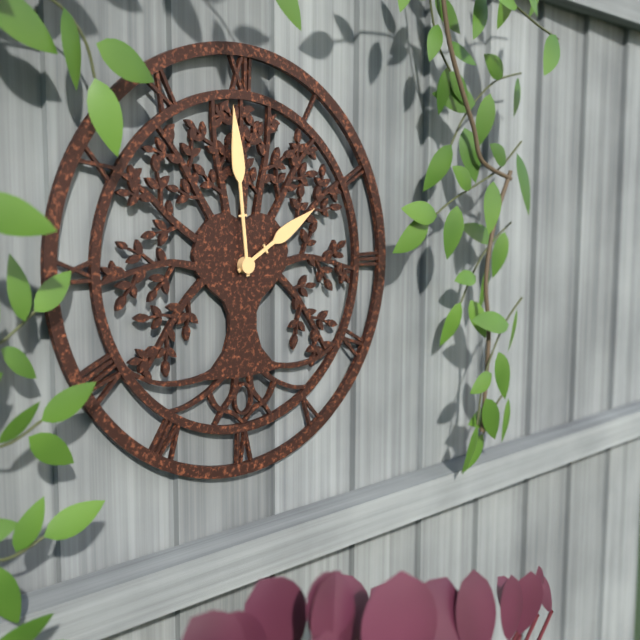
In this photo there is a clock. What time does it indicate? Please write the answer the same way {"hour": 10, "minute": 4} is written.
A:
{"hour": 1, "minute": 59}
